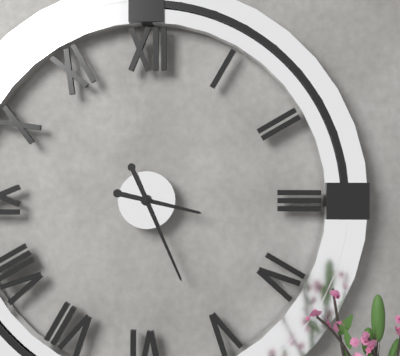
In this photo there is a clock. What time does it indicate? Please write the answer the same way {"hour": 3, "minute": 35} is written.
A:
{"hour": 3, "minute": 26}
